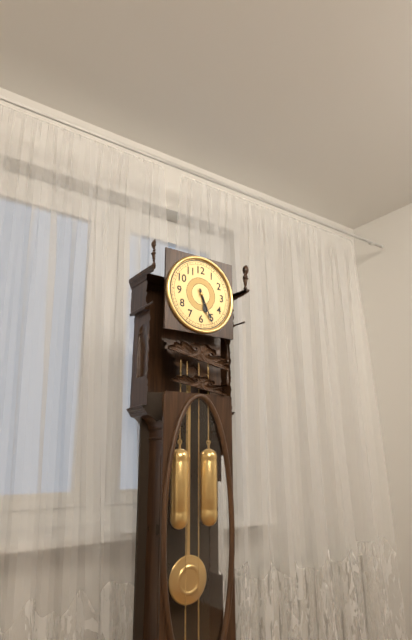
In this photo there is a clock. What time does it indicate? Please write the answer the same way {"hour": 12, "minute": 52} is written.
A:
{"hour": 5, "minute": 26}
